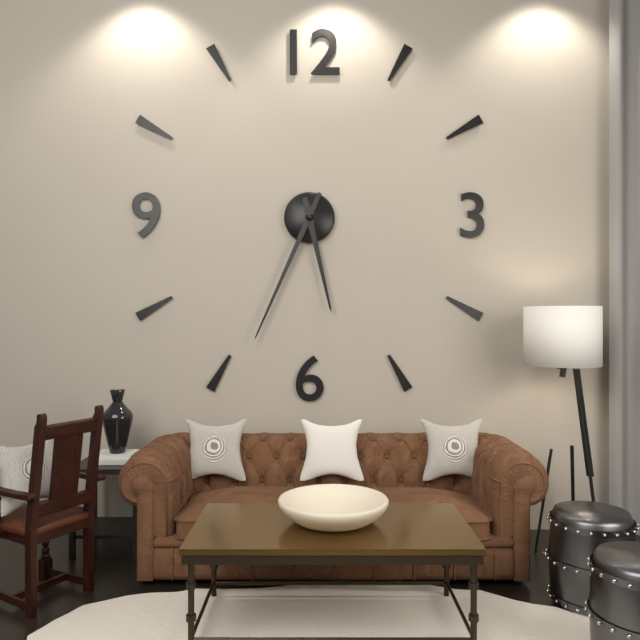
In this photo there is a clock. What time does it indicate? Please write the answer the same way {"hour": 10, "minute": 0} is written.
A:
{"hour": 5, "minute": 34}
